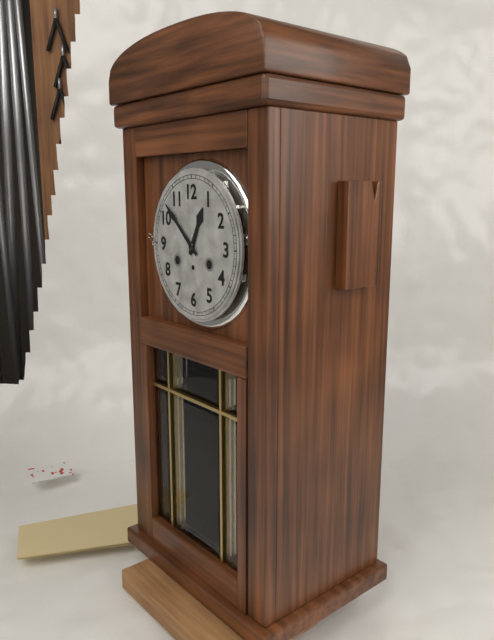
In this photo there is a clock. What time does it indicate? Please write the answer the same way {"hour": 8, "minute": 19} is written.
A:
{"hour": 12, "minute": 52}
